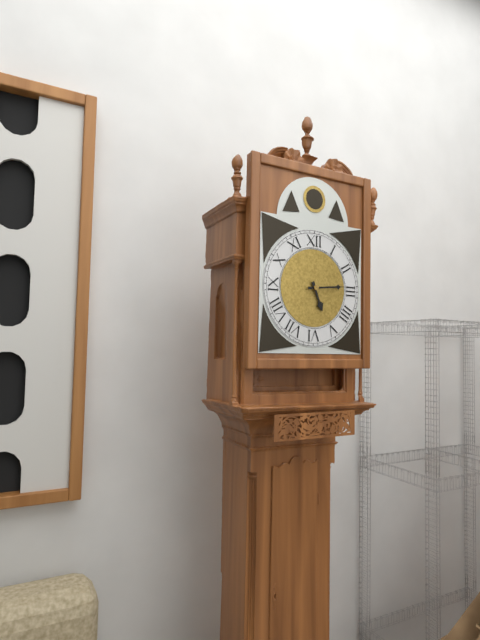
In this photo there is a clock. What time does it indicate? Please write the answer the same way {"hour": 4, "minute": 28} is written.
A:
{"hour": 5, "minute": 14}
